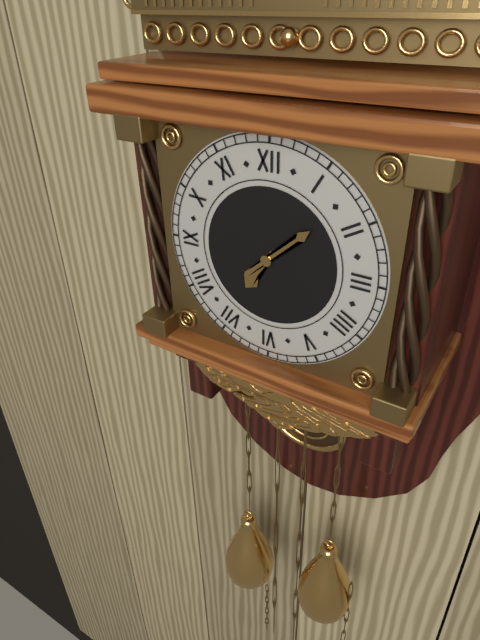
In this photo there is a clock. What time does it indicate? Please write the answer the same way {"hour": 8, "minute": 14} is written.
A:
{"hour": 7, "minute": 8}
